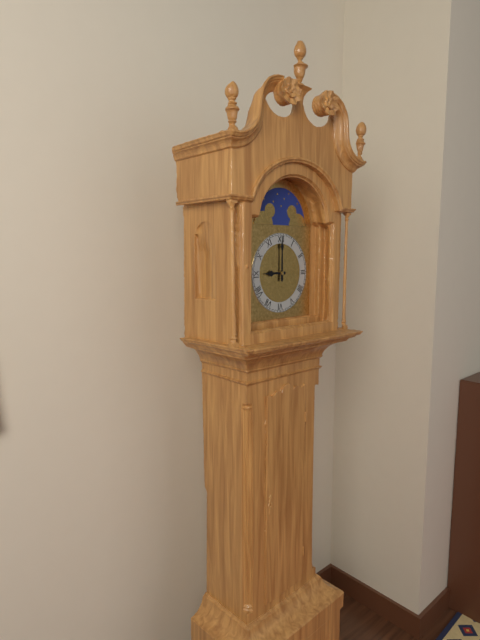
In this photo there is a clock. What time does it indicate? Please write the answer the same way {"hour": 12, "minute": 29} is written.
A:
{"hour": 9, "minute": 0}
